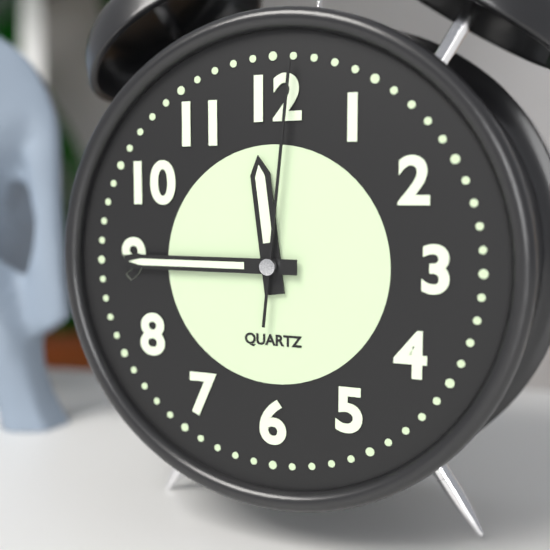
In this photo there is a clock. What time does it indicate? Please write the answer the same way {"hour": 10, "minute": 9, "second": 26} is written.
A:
{"hour": 11, "minute": 45, "second": 1}
